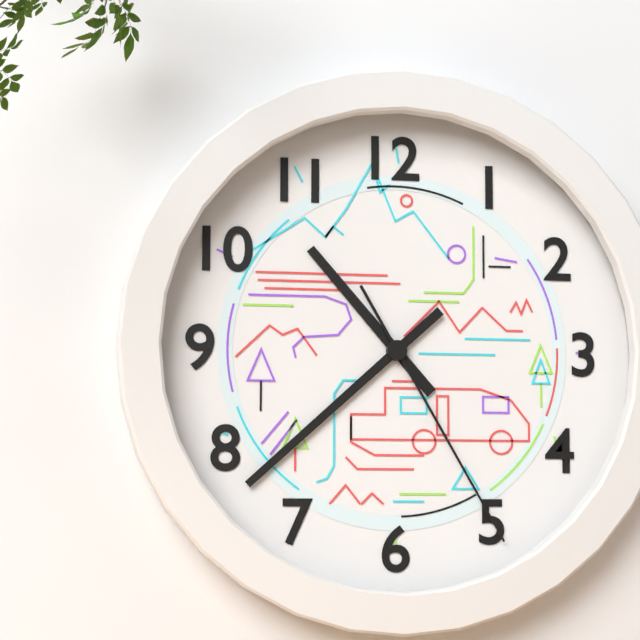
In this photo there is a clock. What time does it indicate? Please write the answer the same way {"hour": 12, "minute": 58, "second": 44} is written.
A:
{"hour": 10, "minute": 38, "second": 25}
